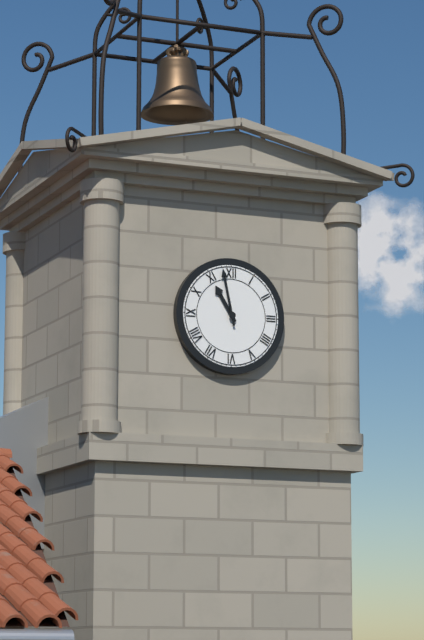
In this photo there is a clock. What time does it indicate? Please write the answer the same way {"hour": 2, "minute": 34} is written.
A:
{"hour": 10, "minute": 58}
